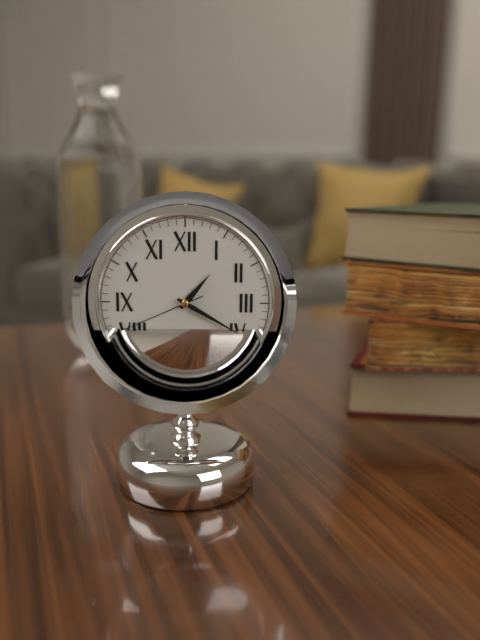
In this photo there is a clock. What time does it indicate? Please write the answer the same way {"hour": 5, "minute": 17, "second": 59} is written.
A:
{"hour": 1, "minute": 20, "second": 41}
